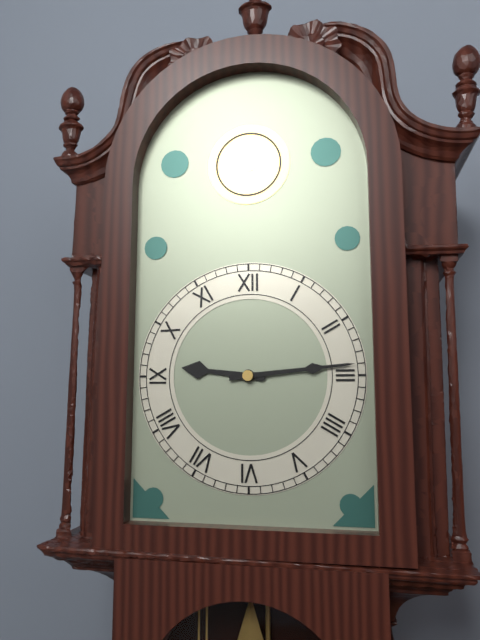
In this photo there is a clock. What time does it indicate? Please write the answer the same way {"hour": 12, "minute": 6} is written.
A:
{"hour": 9, "minute": 14}
